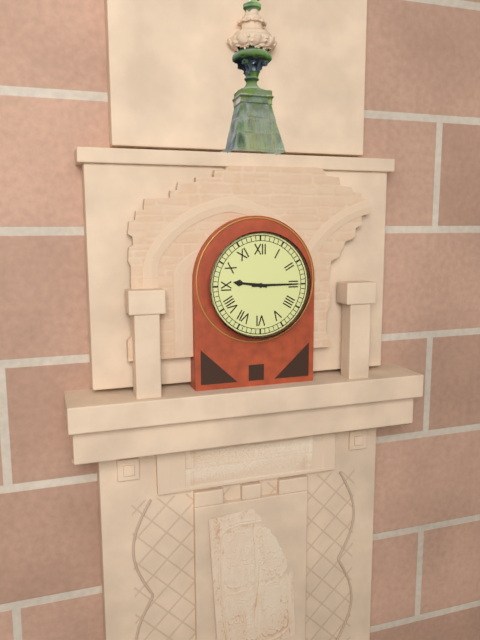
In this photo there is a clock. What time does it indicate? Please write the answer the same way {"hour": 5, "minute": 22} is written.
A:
{"hour": 9, "minute": 15}
